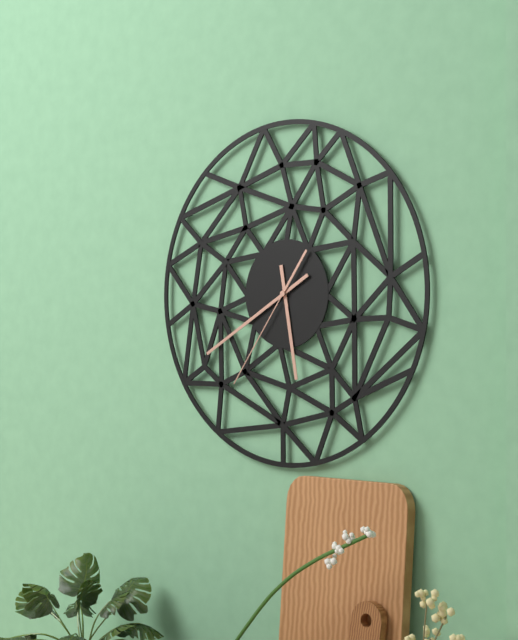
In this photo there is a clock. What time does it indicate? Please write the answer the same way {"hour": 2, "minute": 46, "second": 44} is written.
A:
{"hour": 5, "minute": 40, "second": 36}
